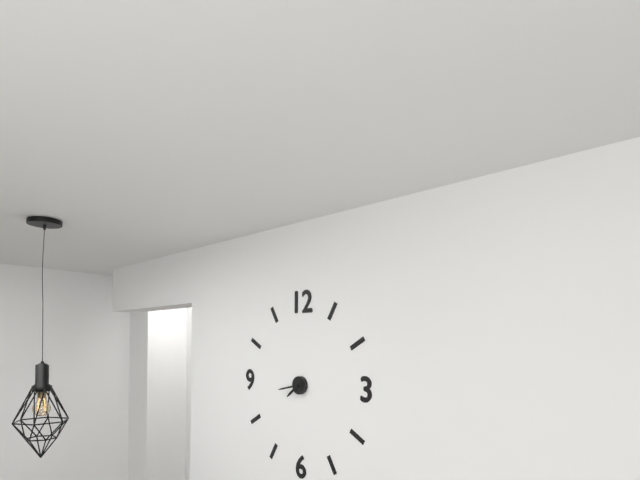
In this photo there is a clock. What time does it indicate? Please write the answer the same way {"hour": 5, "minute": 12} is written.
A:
{"hour": 7, "minute": 43}
